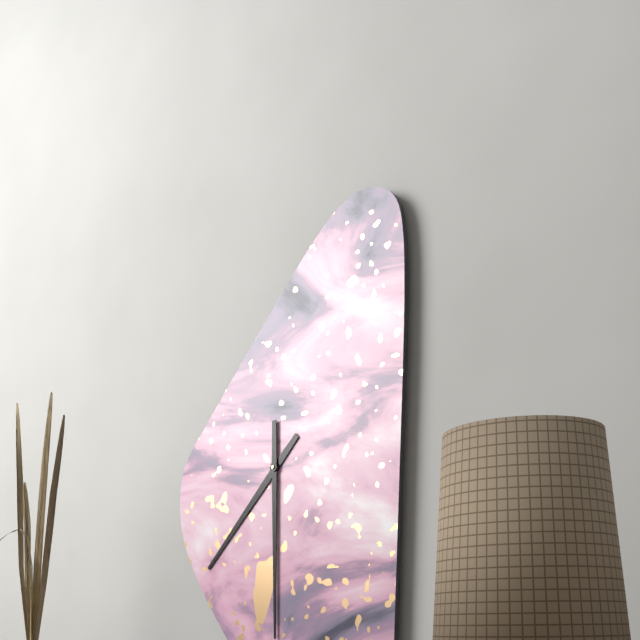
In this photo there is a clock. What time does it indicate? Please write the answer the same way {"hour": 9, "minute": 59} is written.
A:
{"hour": 7, "minute": 30}
